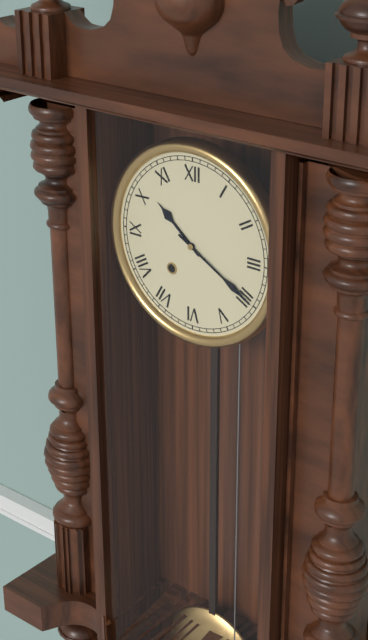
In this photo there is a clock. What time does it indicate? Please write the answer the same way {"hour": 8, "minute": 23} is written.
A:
{"hour": 10, "minute": 20}
